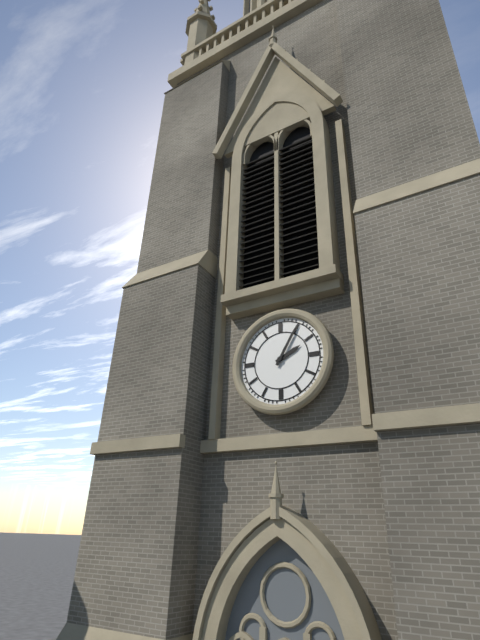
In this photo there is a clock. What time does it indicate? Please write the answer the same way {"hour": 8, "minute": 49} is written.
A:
{"hour": 2, "minute": 5}
